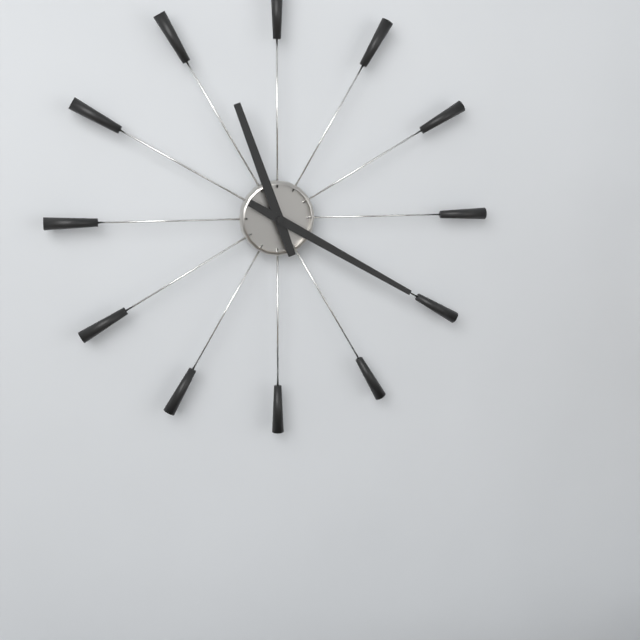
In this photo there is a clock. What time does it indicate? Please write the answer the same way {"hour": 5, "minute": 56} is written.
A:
{"hour": 11, "minute": 20}
